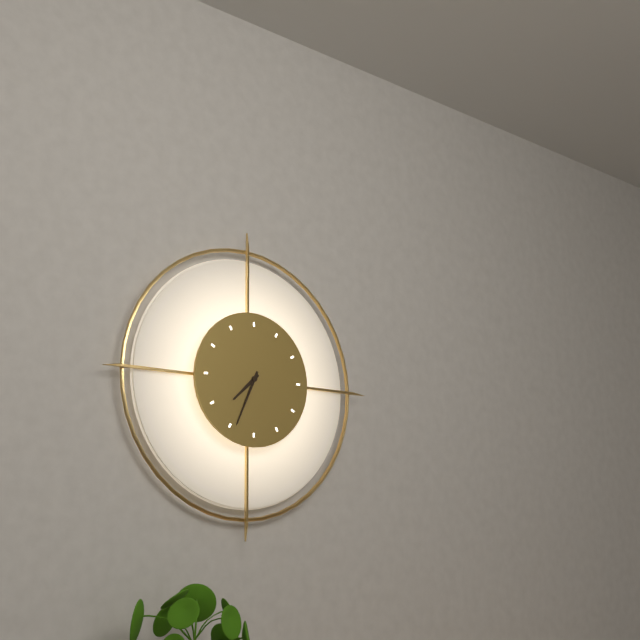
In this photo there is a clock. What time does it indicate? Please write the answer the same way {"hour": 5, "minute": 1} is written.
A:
{"hour": 7, "minute": 34}
